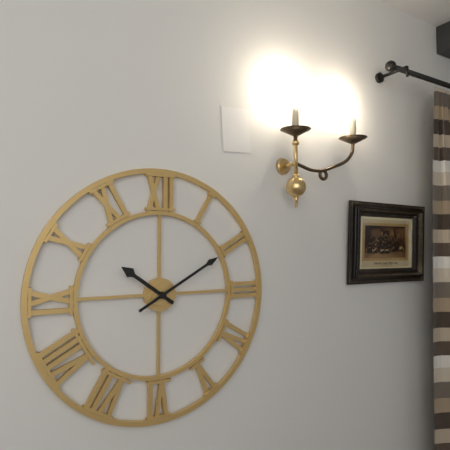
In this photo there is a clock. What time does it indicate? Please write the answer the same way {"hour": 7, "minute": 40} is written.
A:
{"hour": 10, "minute": 10}
